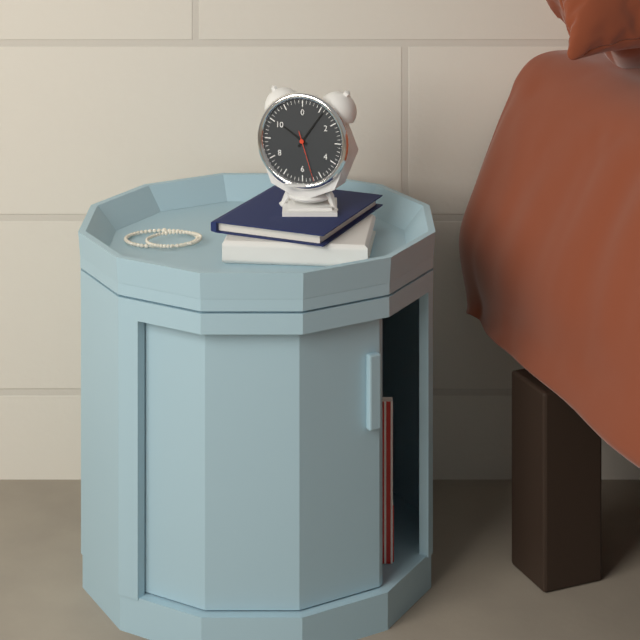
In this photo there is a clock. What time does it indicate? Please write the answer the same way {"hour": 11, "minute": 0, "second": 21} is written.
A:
{"hour": 10, "minute": 6, "second": 27}
